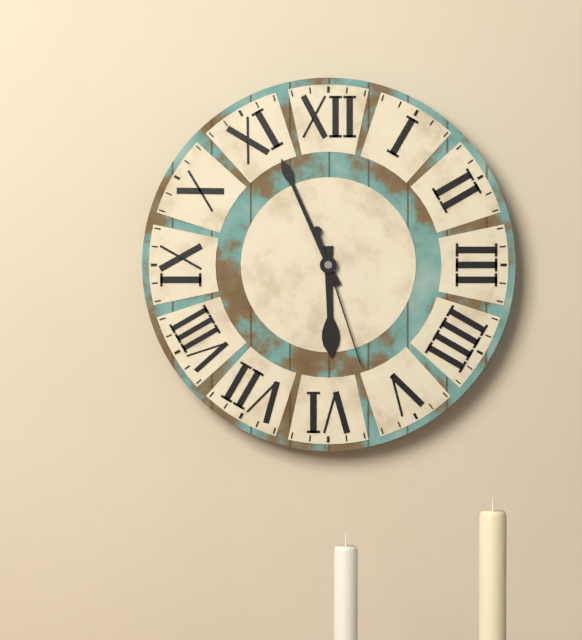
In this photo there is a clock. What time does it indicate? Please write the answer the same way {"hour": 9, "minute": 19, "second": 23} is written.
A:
{"hour": 5, "minute": 56, "second": 27}
